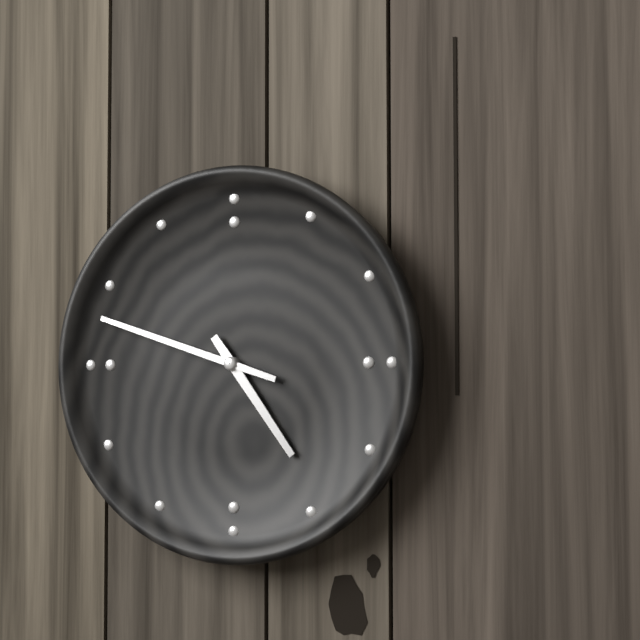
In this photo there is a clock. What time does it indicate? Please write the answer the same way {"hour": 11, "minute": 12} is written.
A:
{"hour": 4, "minute": 48}
